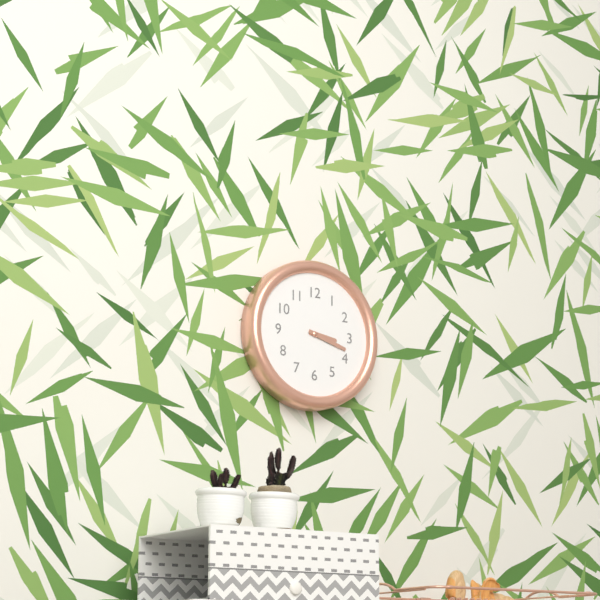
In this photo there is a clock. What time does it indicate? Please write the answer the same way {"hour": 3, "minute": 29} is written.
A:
{"hour": 3, "minute": 18}
